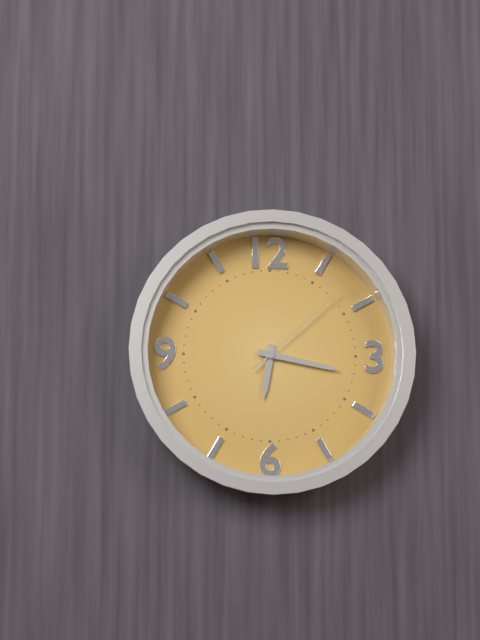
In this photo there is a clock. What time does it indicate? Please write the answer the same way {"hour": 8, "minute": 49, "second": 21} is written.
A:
{"hour": 6, "minute": 17, "second": 8}
